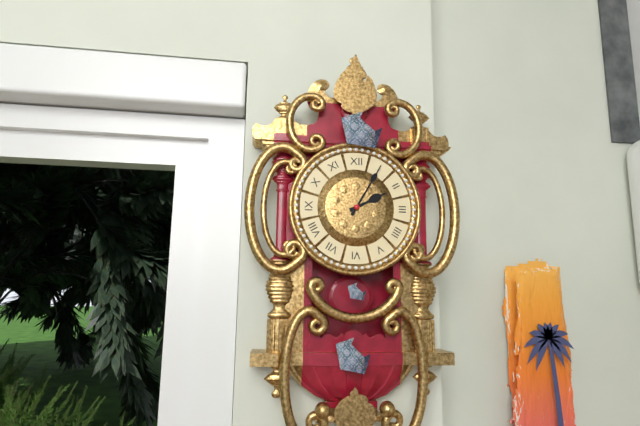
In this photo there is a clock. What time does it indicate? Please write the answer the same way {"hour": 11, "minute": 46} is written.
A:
{"hour": 2, "minute": 5}
